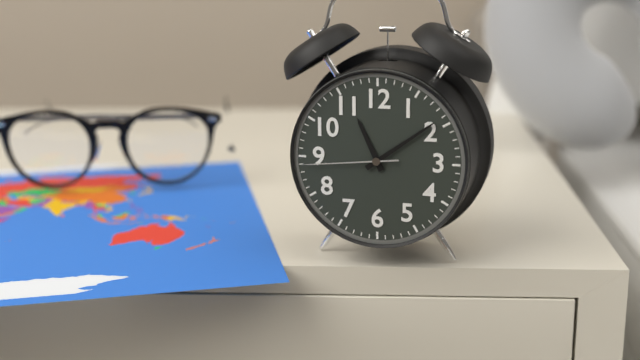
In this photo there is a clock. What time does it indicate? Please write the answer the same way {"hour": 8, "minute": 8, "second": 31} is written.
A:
{"hour": 11, "minute": 9, "second": 44}
